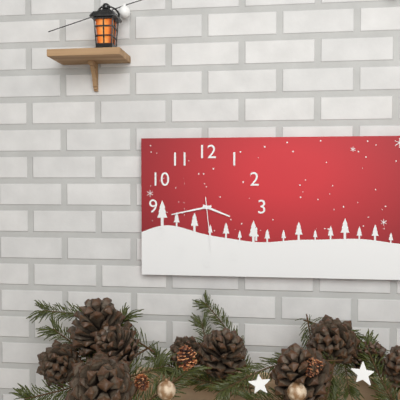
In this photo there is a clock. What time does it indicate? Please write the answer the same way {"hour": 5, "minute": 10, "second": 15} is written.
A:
{"hour": 3, "minute": 43, "second": 29}
